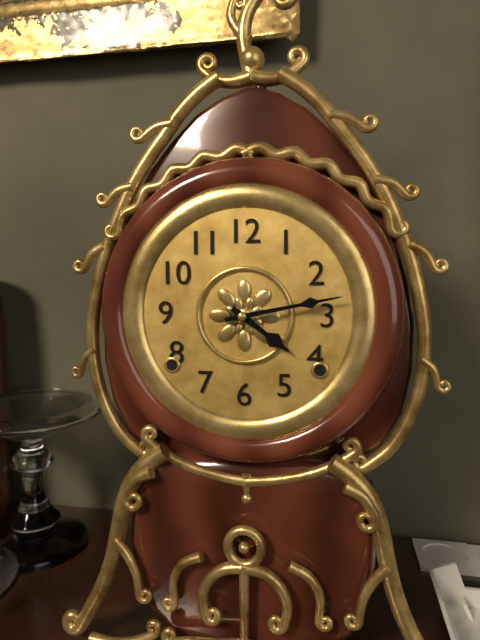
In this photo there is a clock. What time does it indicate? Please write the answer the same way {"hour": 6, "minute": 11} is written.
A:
{"hour": 4, "minute": 13}
